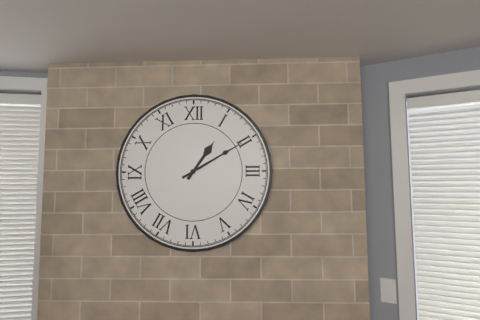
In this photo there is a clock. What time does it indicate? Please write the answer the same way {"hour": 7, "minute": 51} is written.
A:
{"hour": 1, "minute": 10}
